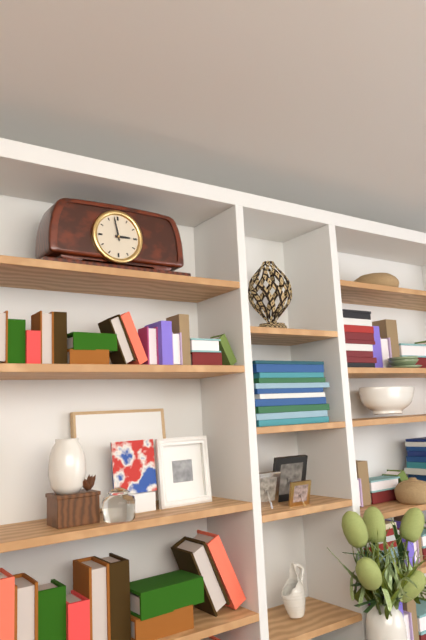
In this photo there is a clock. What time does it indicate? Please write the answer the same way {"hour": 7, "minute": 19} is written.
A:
{"hour": 2, "minute": 58}
